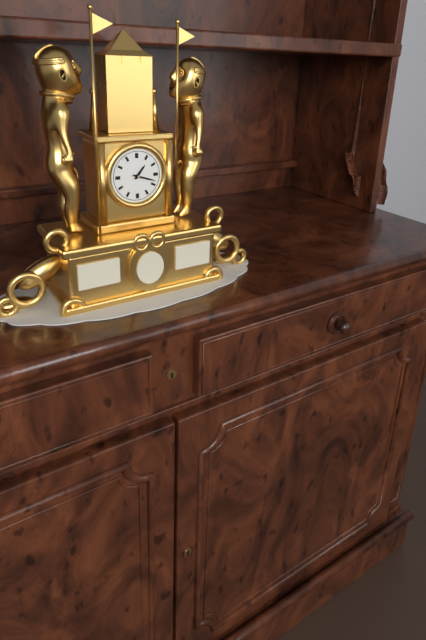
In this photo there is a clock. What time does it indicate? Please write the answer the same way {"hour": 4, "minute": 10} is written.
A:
{"hour": 1, "minute": 18}
